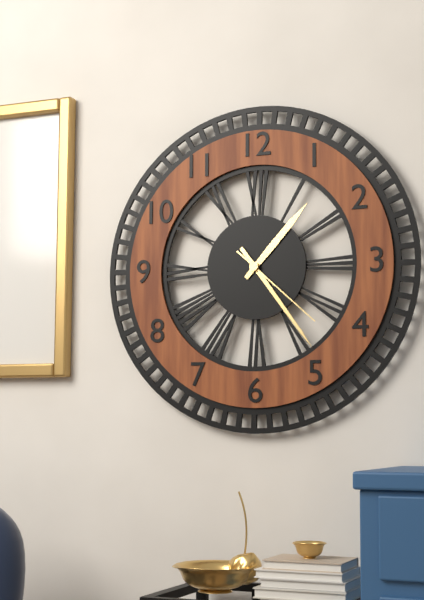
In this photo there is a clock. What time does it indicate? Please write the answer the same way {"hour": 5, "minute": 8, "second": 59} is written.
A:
{"hour": 1, "minute": 24, "second": 22}
